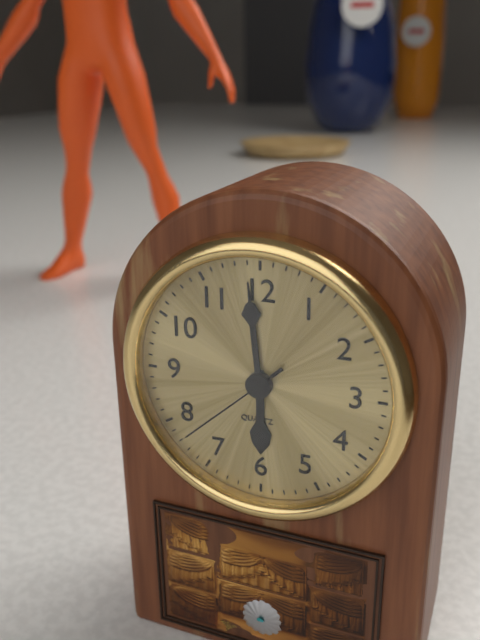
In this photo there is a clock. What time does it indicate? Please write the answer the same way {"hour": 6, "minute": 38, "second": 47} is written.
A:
{"hour": 5, "minute": 59, "second": 38}
